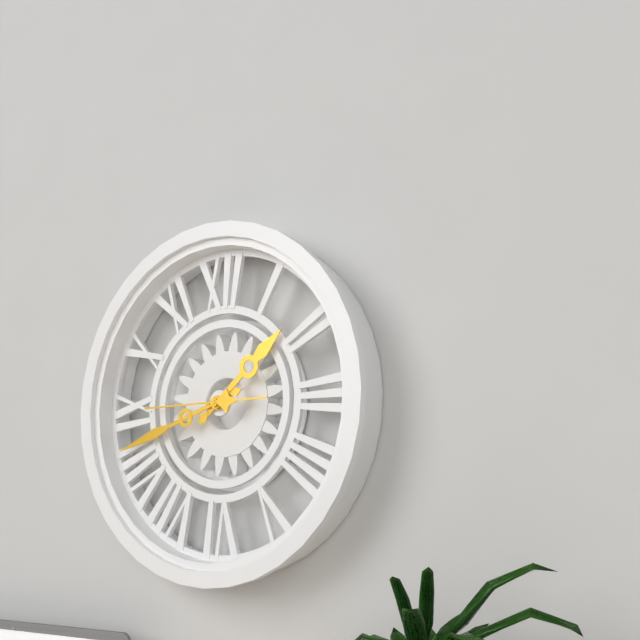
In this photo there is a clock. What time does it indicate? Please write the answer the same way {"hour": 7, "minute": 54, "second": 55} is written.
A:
{"hour": 1, "minute": 42, "second": 45}
